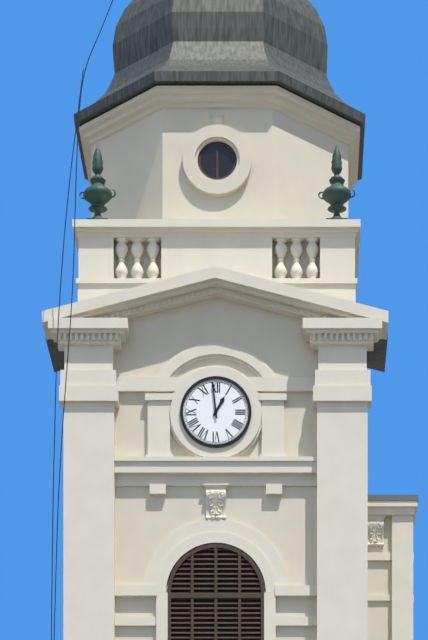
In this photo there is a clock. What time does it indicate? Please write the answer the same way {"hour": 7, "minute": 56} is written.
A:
{"hour": 12, "minute": 59}
